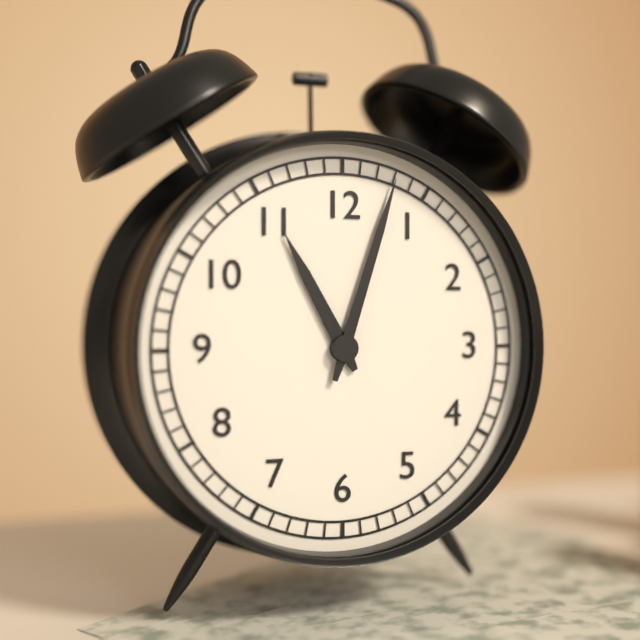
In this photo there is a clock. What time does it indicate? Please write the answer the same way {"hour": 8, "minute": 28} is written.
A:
{"hour": 11, "minute": 3}
